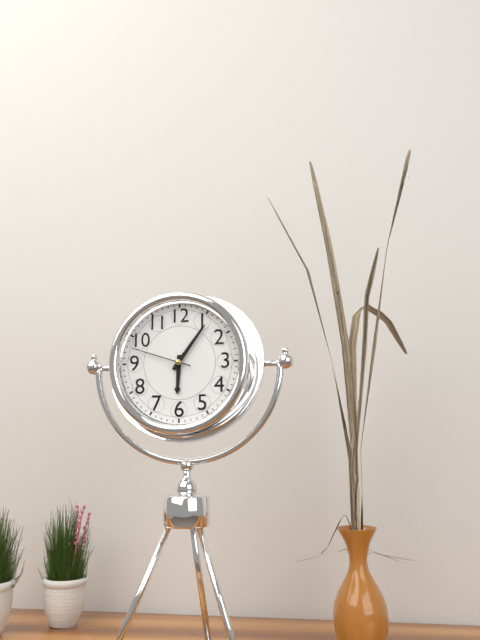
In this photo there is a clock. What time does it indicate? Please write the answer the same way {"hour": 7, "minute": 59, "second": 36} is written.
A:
{"hour": 6, "minute": 6, "second": 48}
